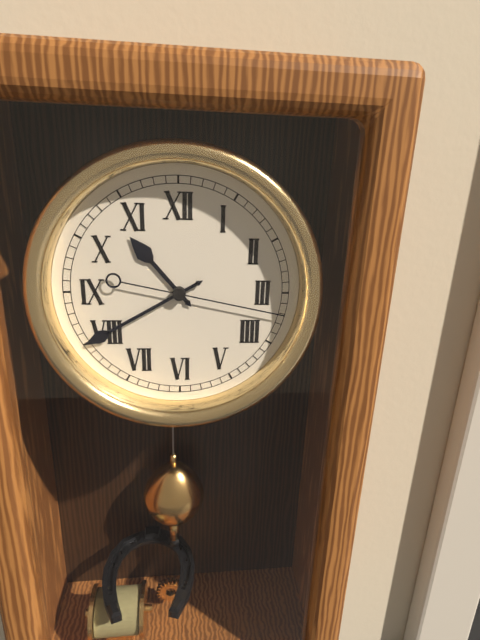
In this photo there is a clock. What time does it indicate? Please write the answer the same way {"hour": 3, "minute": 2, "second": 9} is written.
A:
{"hour": 10, "minute": 40, "second": 17}
